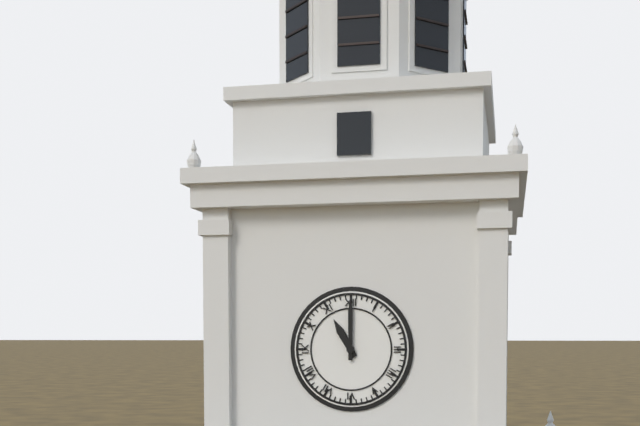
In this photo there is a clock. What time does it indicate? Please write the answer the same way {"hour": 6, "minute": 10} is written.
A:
{"hour": 11, "minute": 0}
